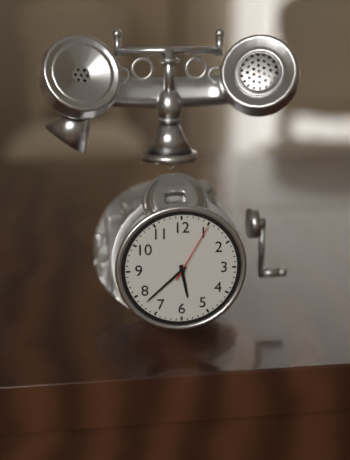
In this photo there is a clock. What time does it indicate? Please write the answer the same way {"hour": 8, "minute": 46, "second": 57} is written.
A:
{"hour": 5, "minute": 38, "second": 5}
